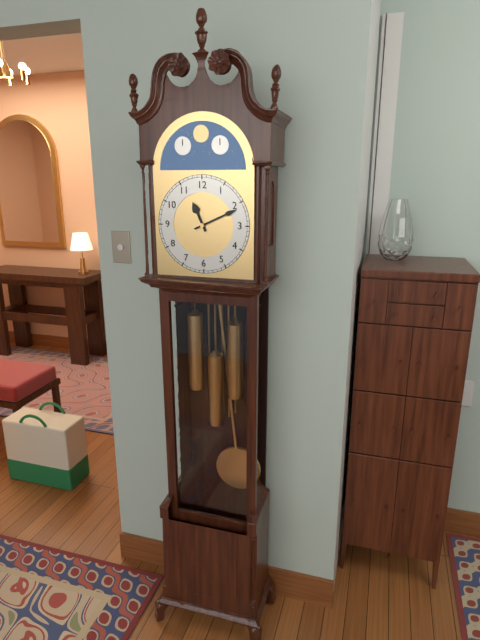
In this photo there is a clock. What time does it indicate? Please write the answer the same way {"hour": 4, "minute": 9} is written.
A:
{"hour": 11, "minute": 11}
